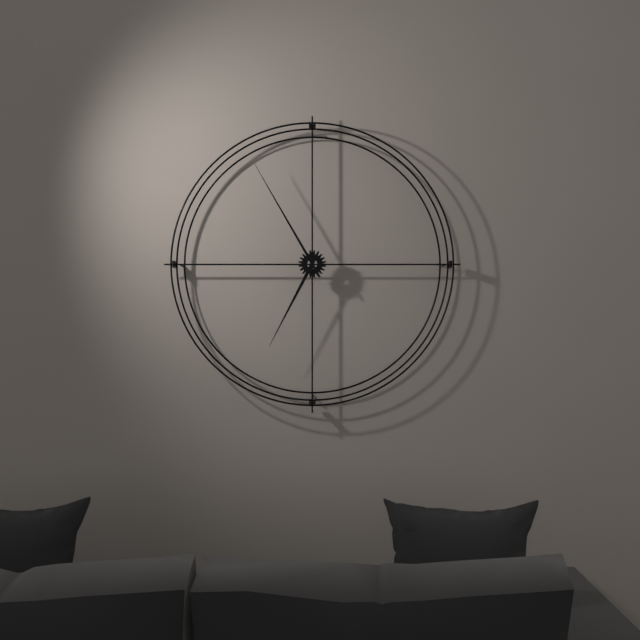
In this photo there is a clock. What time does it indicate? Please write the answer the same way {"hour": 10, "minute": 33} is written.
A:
{"hour": 6, "minute": 55}
